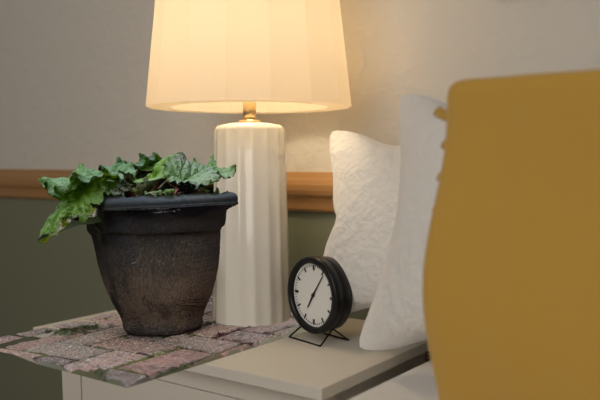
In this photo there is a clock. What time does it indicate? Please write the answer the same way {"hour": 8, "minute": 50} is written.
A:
{"hour": 7, "minute": 6}
